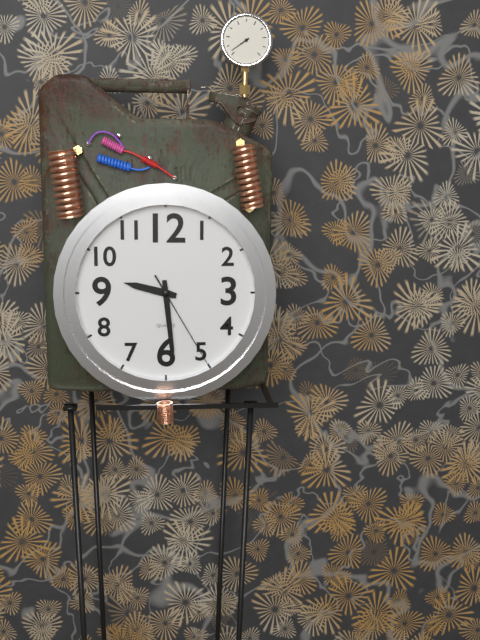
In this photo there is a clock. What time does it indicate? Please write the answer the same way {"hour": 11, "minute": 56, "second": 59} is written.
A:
{"hour": 9, "minute": 29, "second": 25}
